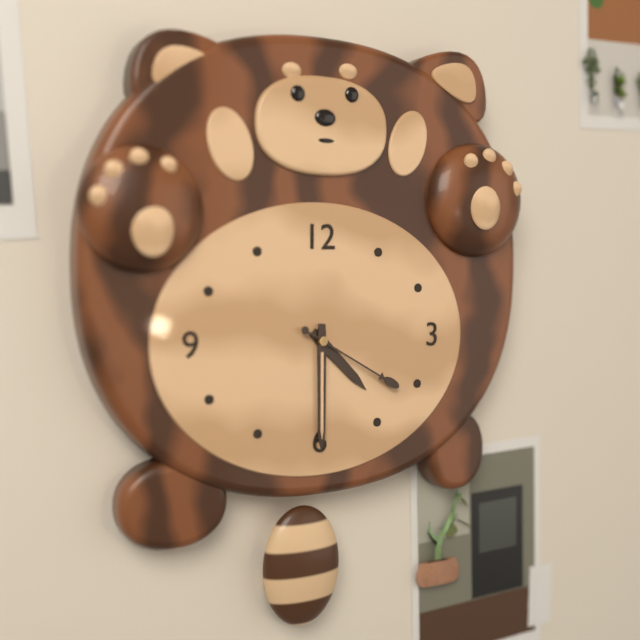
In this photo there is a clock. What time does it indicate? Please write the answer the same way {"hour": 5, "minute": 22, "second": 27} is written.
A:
{"hour": 4, "minute": 30, "second": 20}
